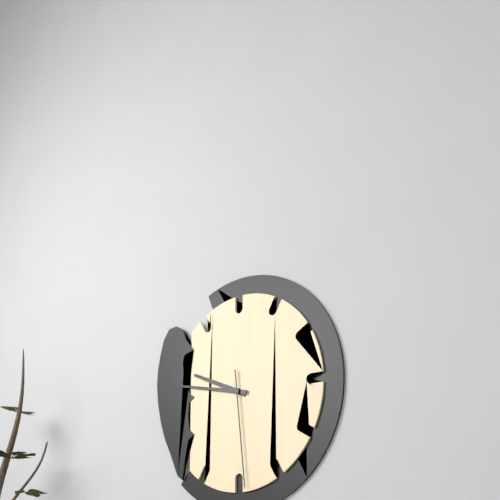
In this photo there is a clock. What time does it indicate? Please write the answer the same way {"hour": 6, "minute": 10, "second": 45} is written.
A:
{"hour": 9, "minute": 47, "second": 29}
